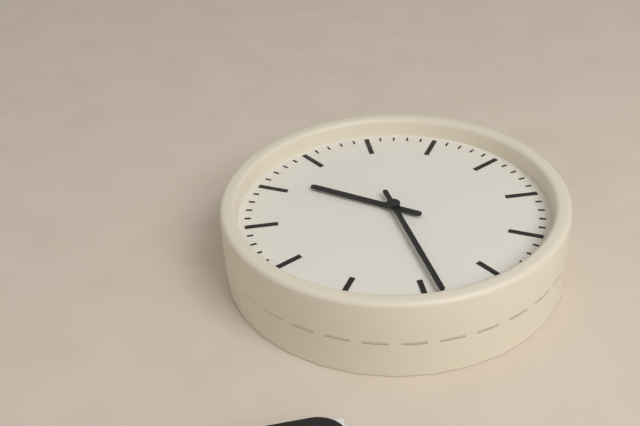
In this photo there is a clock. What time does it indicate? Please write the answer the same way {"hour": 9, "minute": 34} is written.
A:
{"hour": 7, "minute": 14}
